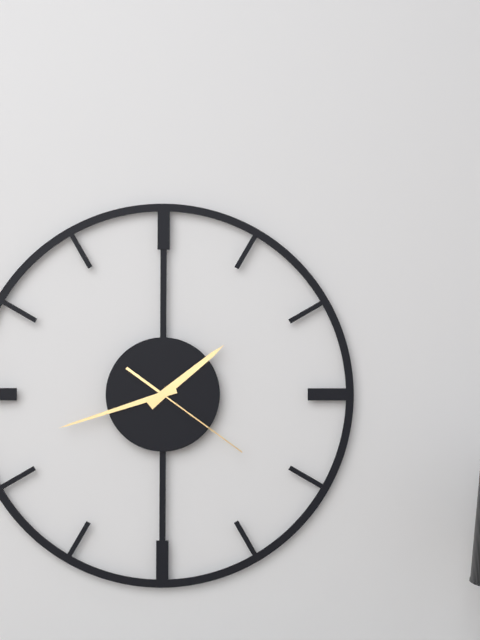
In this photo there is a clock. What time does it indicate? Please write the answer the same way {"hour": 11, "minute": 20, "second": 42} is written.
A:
{"hour": 1, "minute": 42, "second": 21}
